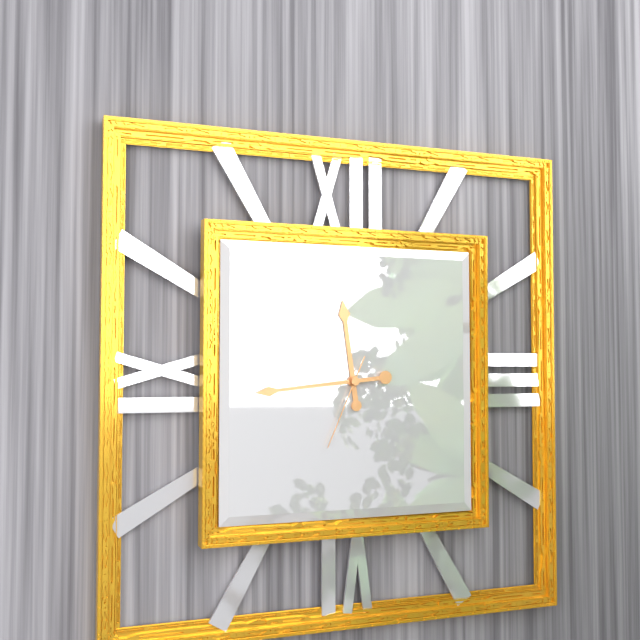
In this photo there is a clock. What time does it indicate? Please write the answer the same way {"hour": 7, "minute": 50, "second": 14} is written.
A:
{"hour": 11, "minute": 44, "second": 34}
